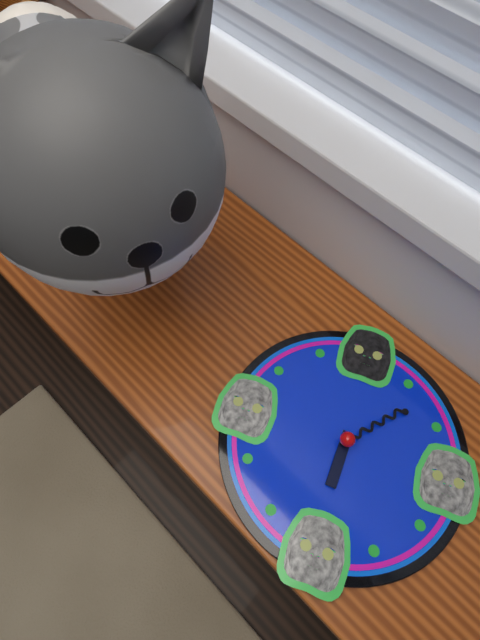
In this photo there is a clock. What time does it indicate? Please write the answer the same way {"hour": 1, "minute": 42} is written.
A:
{"hour": 6, "minute": 7}
